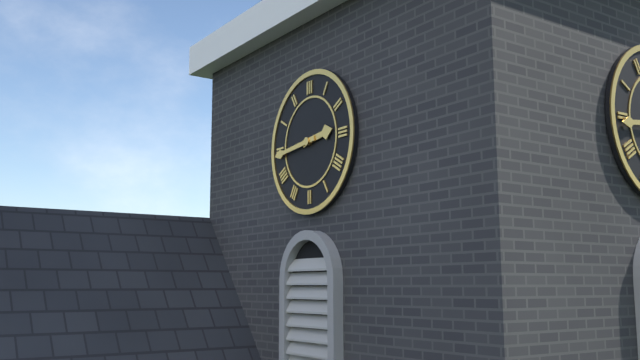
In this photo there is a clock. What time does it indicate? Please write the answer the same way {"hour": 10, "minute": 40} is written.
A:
{"hour": 2, "minute": 44}
